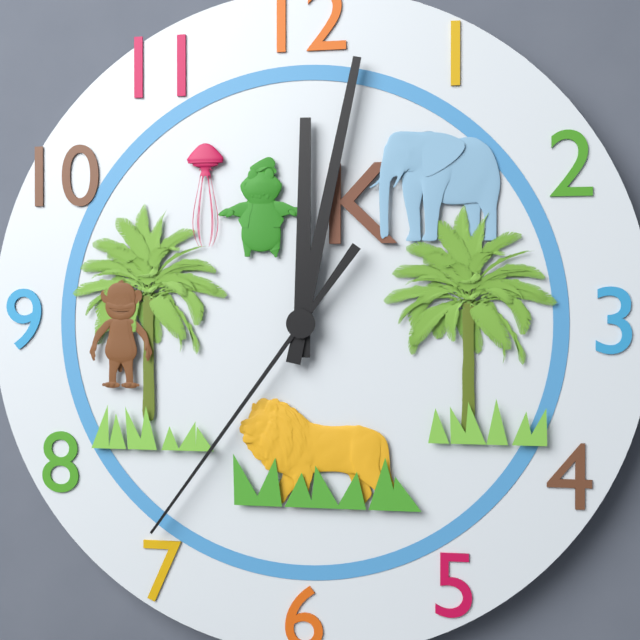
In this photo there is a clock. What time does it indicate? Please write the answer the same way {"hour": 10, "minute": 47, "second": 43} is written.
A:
{"hour": 12, "minute": 2, "second": 36}
